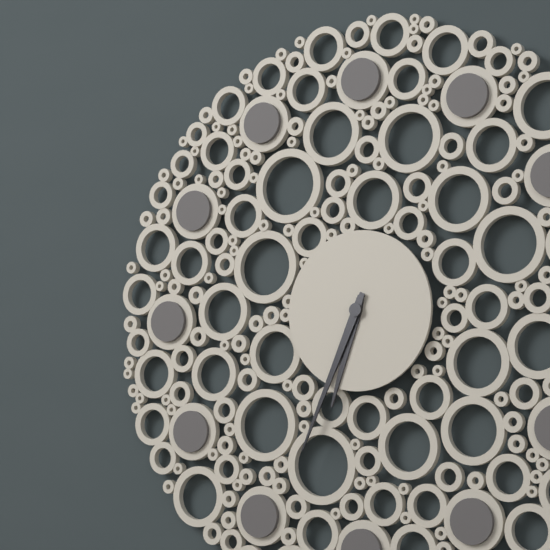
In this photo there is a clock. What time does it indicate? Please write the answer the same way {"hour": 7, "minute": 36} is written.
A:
{"hour": 6, "minute": 34}
